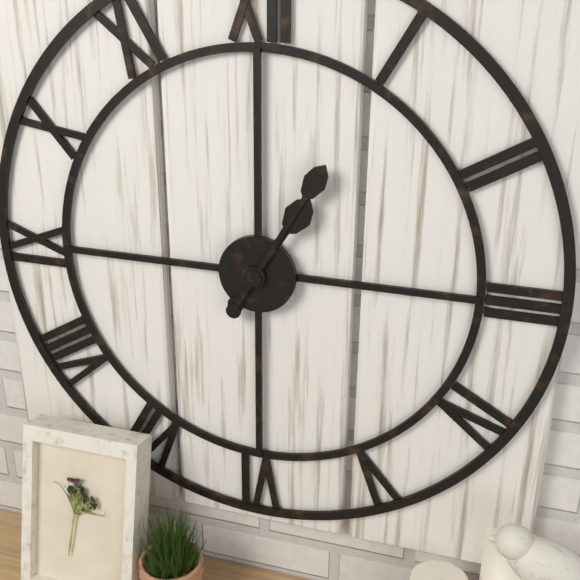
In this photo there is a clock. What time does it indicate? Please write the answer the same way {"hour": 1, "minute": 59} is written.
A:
{"hour": 1, "minute": 5}
